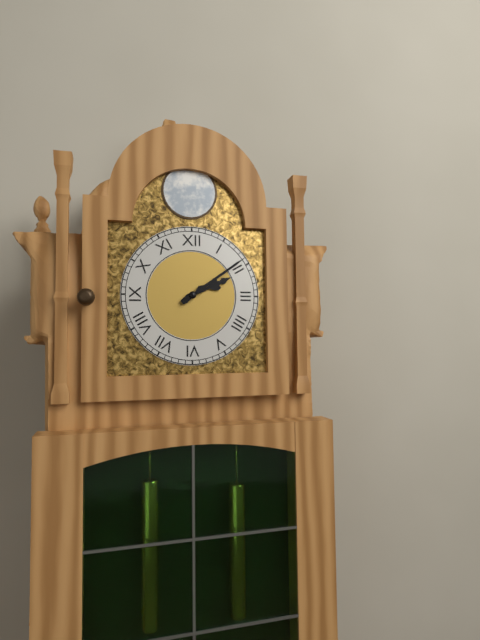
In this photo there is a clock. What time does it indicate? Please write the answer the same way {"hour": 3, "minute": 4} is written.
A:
{"hour": 2, "minute": 9}
